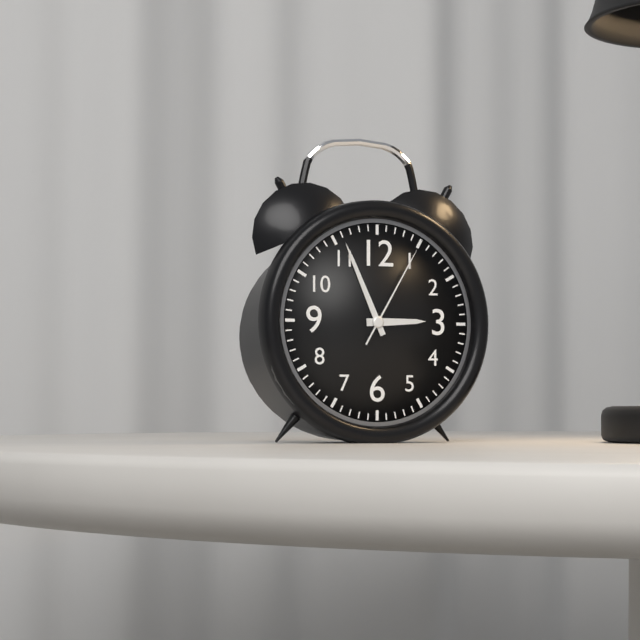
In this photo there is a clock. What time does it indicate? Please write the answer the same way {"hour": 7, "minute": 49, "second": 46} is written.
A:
{"hour": 2, "minute": 56, "second": 5}
